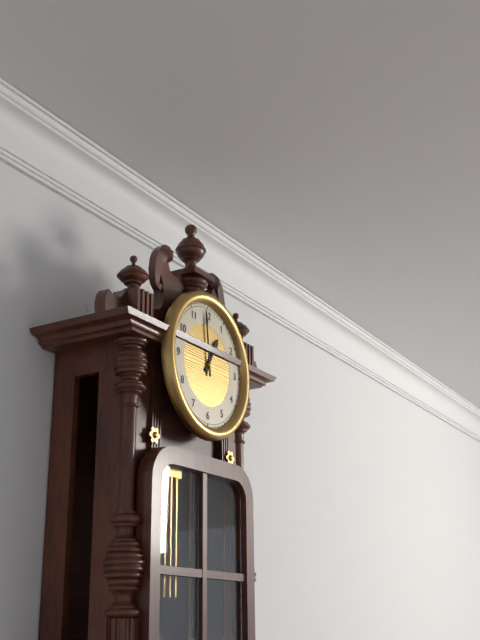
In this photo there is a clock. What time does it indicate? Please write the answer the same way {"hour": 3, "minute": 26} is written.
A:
{"hour": 12, "minute": 59}
